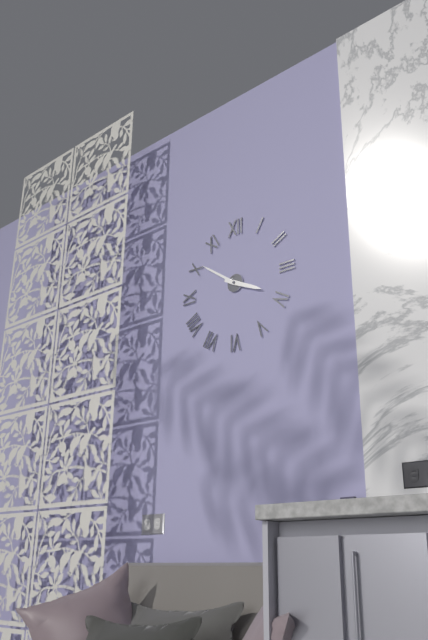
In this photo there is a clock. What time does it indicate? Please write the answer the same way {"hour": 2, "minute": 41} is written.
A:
{"hour": 3, "minute": 51}
